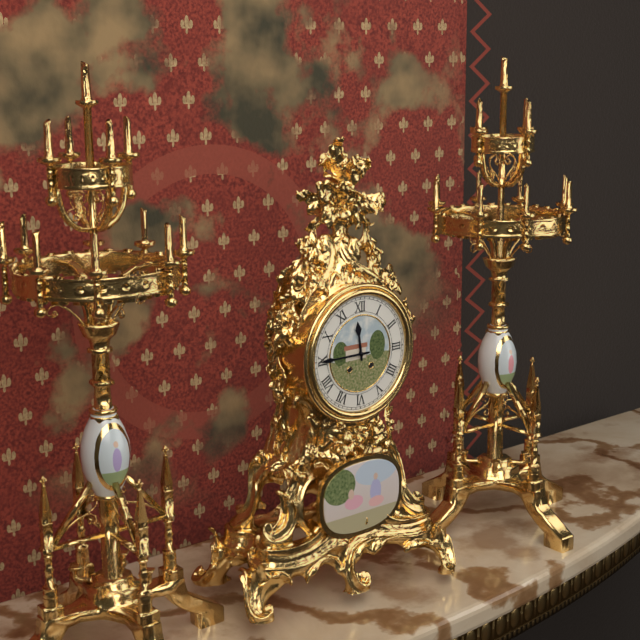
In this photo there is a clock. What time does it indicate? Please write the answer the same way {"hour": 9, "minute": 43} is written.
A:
{"hour": 11, "minute": 45}
